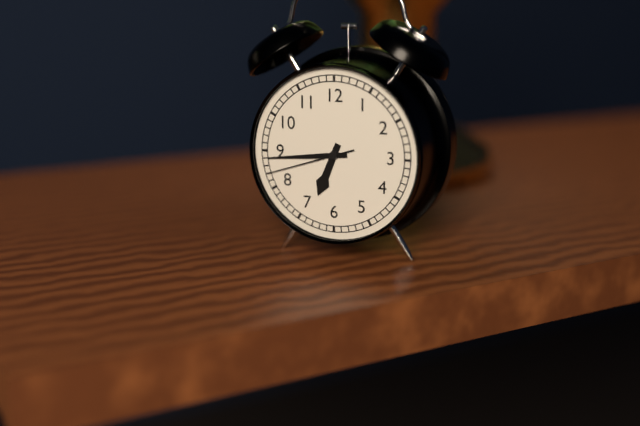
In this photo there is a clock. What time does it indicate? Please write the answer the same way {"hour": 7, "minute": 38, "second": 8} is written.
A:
{"hour": 6, "minute": 44, "second": 42}
